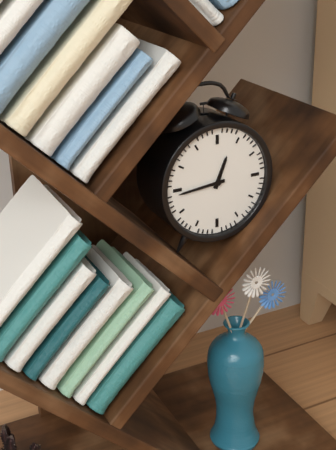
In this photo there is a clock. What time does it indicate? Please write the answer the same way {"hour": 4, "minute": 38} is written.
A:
{"hour": 12, "minute": 44}
